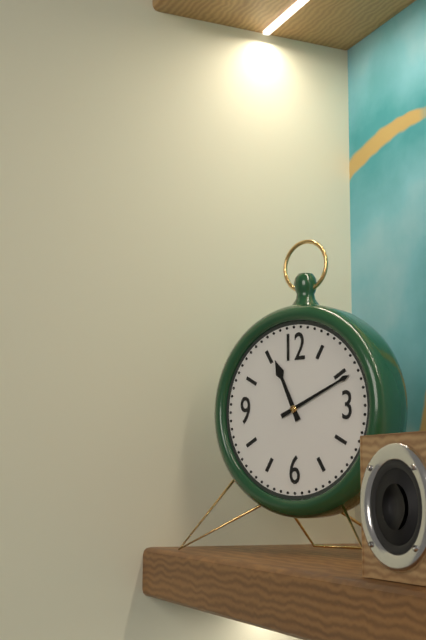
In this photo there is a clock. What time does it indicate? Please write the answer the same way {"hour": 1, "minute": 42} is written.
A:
{"hour": 11, "minute": 11}
